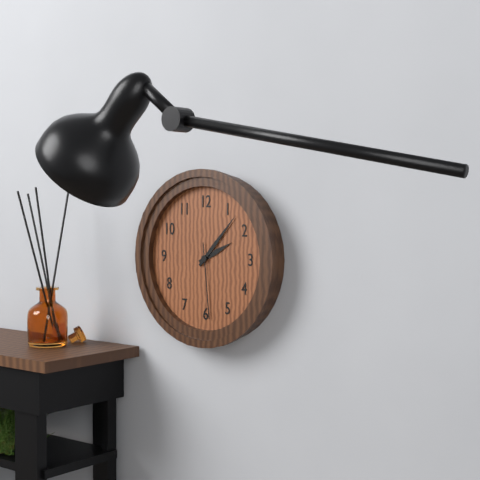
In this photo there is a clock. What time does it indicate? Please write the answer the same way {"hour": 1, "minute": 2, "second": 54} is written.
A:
{"hour": 2, "minute": 7, "second": 29}
